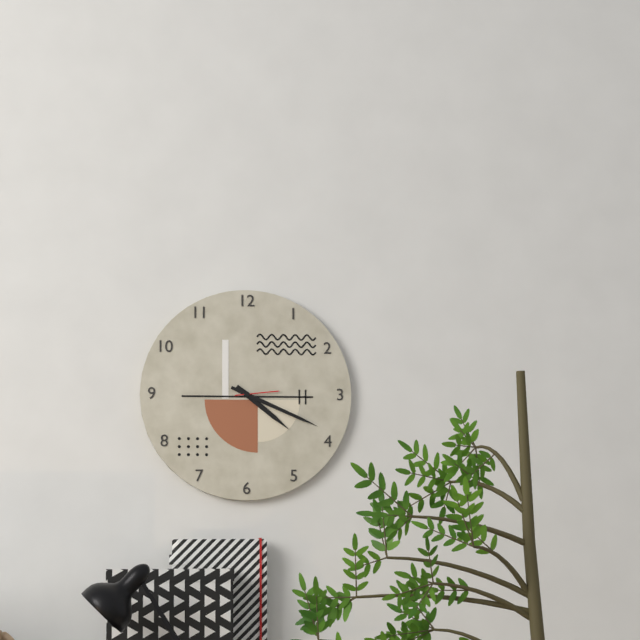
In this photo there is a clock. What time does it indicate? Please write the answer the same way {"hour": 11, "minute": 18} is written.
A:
{"hour": 4, "minute": 19}
